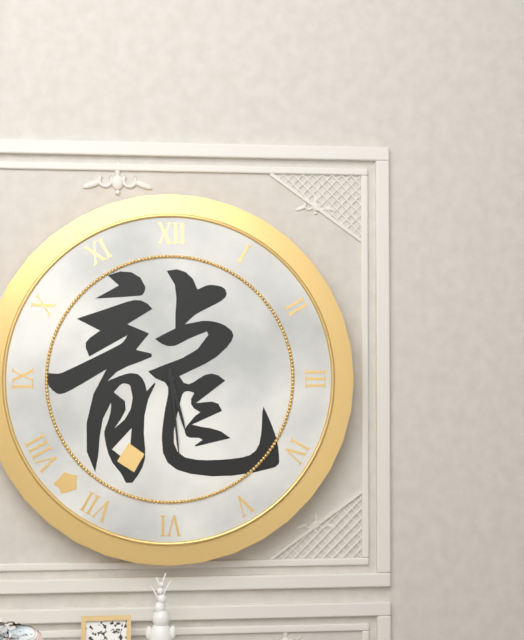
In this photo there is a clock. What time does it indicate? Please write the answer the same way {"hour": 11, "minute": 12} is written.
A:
{"hour": 5, "minute": 29}
